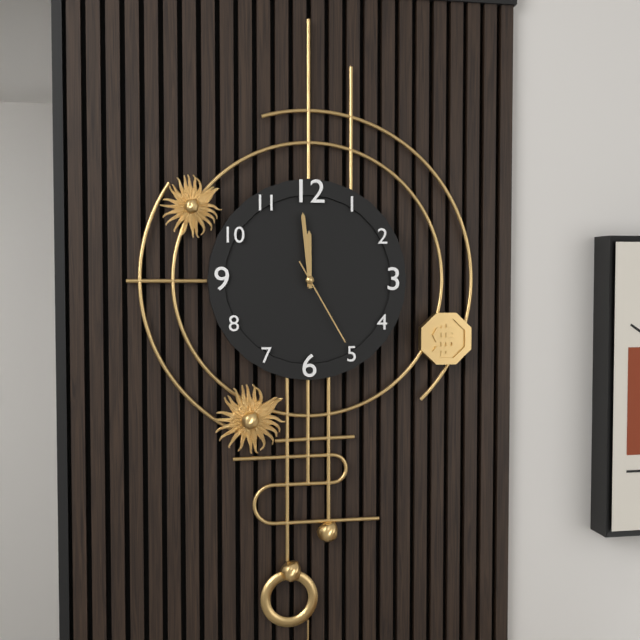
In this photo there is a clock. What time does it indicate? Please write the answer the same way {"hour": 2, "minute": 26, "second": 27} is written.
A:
{"hour": 11, "minute": 59, "second": 25}
